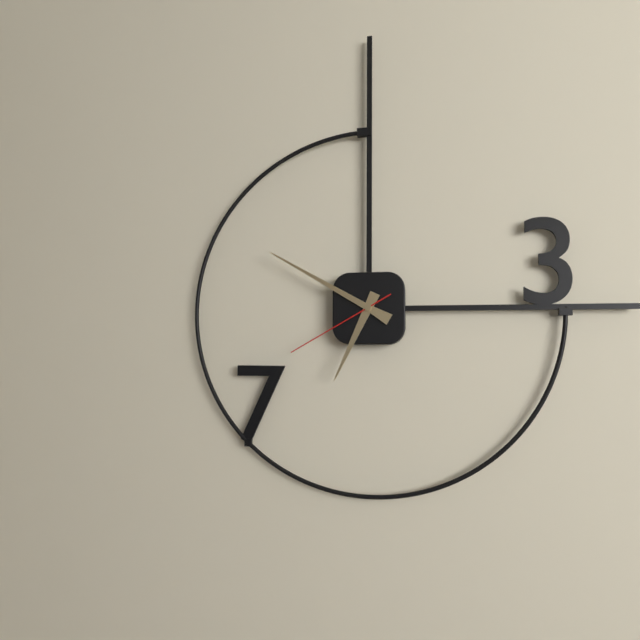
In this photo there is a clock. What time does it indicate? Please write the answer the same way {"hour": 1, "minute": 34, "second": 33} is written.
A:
{"hour": 6, "minute": 50, "second": 40}
